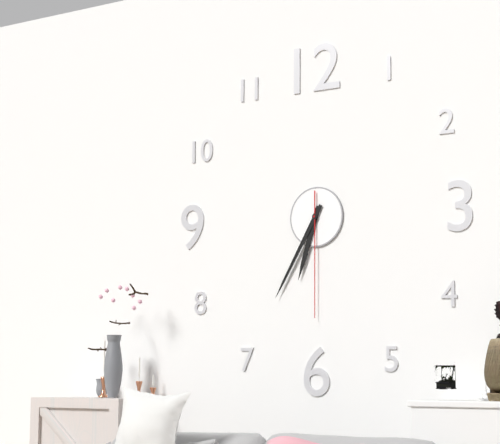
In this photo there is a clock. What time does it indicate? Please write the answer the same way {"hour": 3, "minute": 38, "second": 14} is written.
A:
{"hour": 6, "minute": 35, "second": 30}
